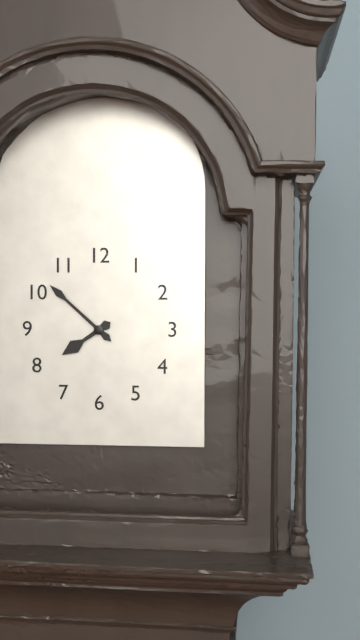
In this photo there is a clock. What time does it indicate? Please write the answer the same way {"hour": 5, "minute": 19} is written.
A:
{"hour": 7, "minute": 52}
